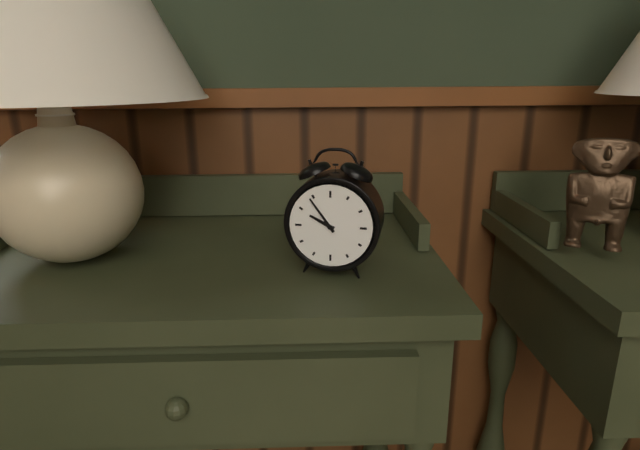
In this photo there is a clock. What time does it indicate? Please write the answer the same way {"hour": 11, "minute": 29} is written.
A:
{"hour": 9, "minute": 54}
